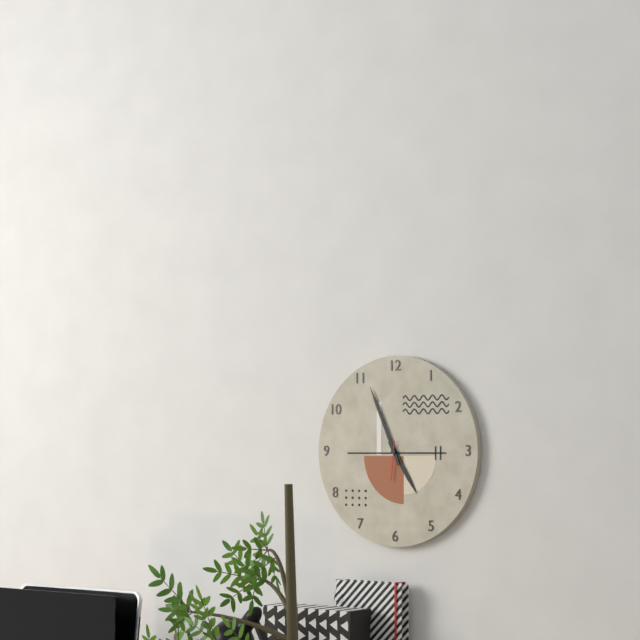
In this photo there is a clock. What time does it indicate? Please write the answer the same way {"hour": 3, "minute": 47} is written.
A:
{"hour": 4, "minute": 56}
